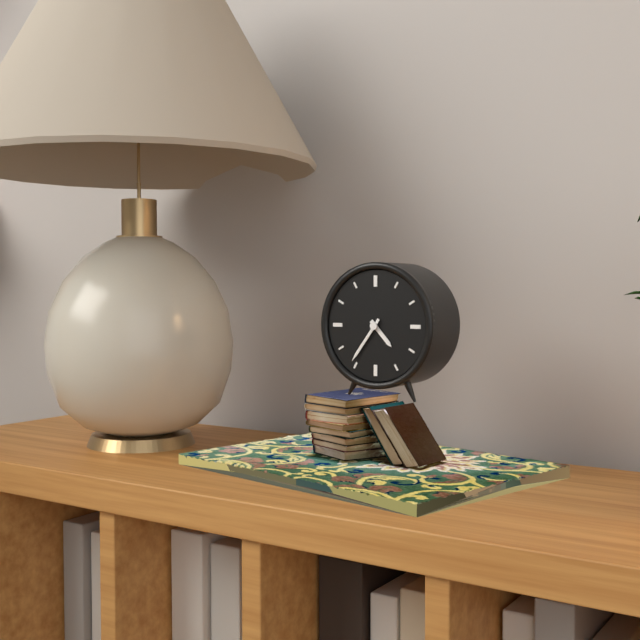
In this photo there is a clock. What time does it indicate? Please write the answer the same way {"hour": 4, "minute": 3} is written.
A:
{"hour": 4, "minute": 36}
